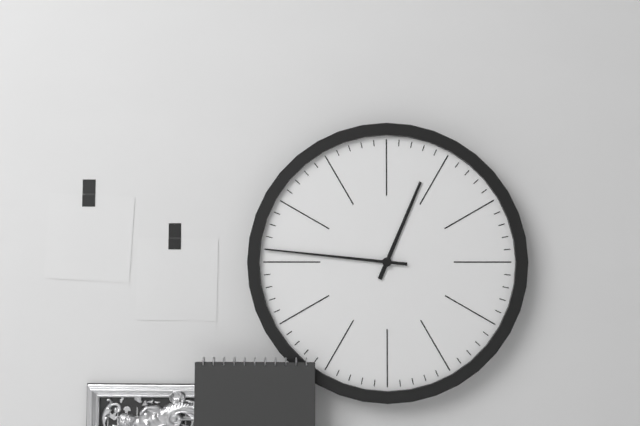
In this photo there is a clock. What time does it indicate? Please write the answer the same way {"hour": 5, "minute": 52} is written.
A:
{"hour": 12, "minute": 46}
